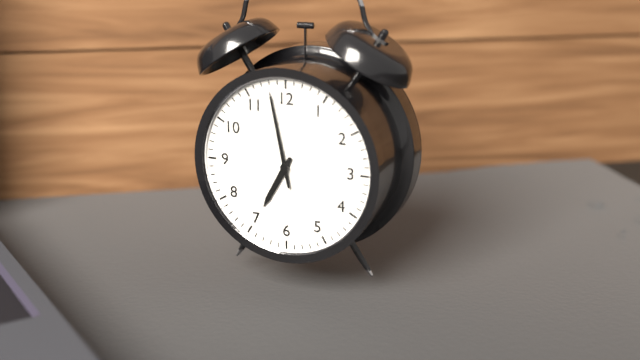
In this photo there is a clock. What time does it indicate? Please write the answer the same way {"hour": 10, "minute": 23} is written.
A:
{"hour": 6, "minute": 58}
